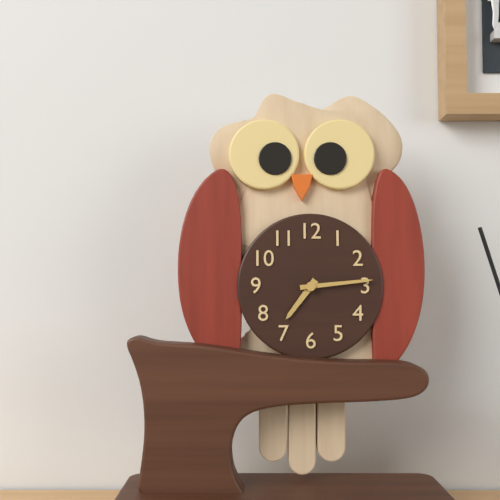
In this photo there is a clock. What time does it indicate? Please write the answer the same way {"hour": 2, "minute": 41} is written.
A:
{"hour": 7, "minute": 14}
